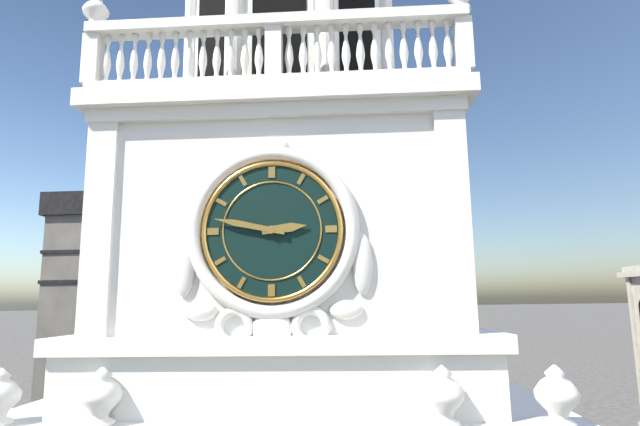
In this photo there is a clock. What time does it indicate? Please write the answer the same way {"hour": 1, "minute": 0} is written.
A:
{"hour": 2, "minute": 47}
